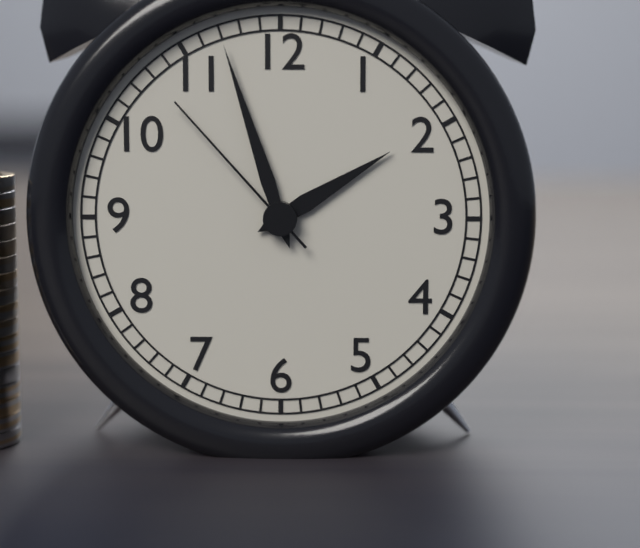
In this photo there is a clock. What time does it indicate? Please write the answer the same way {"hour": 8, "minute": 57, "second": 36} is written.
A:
{"hour": 1, "minute": 57, "second": 53}
